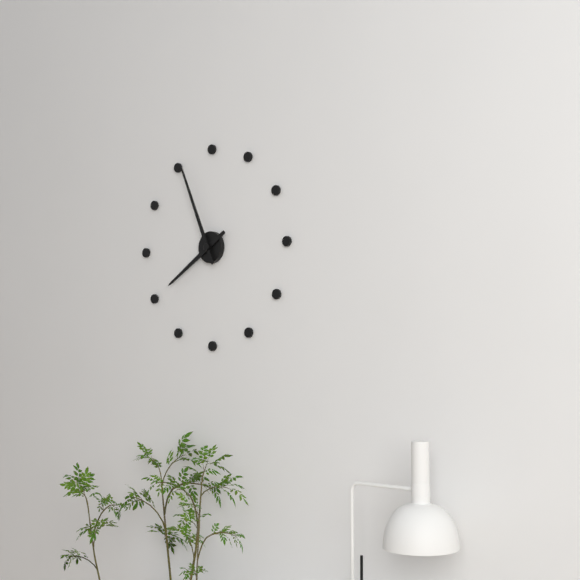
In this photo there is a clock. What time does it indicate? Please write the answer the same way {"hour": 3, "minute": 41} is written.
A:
{"hour": 7, "minute": 56}
